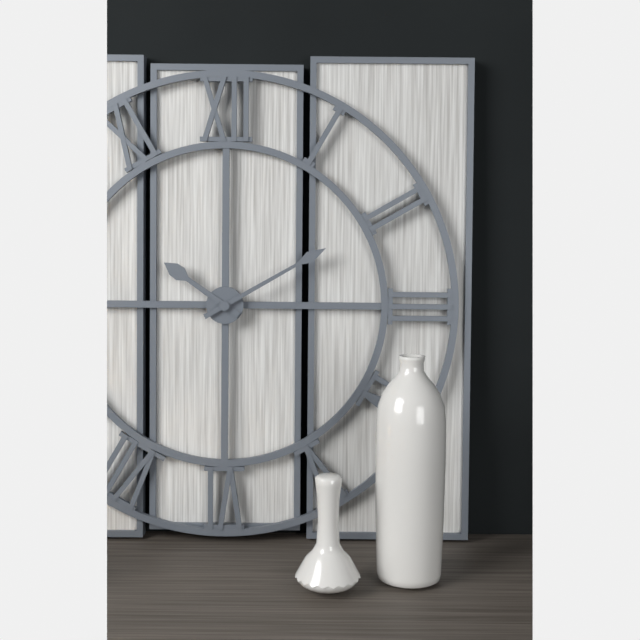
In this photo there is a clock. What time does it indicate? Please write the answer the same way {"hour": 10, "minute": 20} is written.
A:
{"hour": 10, "minute": 10}
